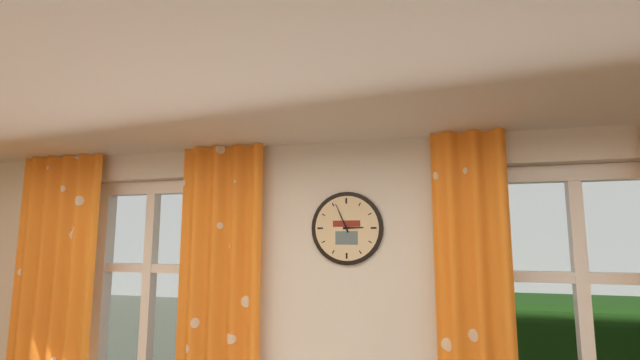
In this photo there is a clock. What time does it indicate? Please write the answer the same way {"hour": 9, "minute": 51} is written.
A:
{"hour": 2, "minute": 56}
